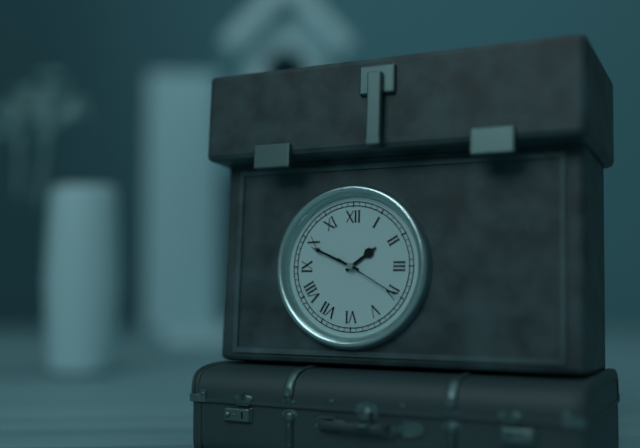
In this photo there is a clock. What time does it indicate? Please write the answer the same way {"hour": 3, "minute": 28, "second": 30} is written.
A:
{"hour": 1, "minute": 49, "second": 20}
